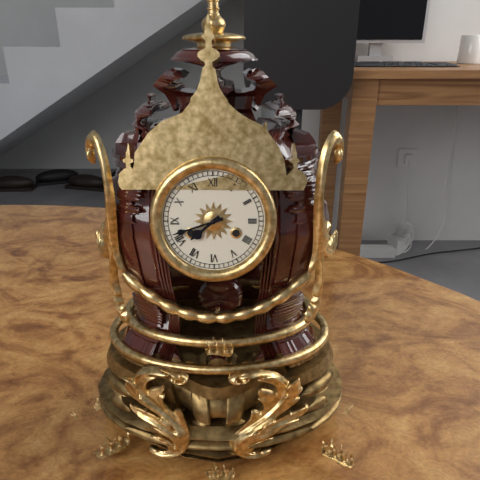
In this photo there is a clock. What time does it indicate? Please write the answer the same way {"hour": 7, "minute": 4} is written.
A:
{"hour": 7, "minute": 42}
